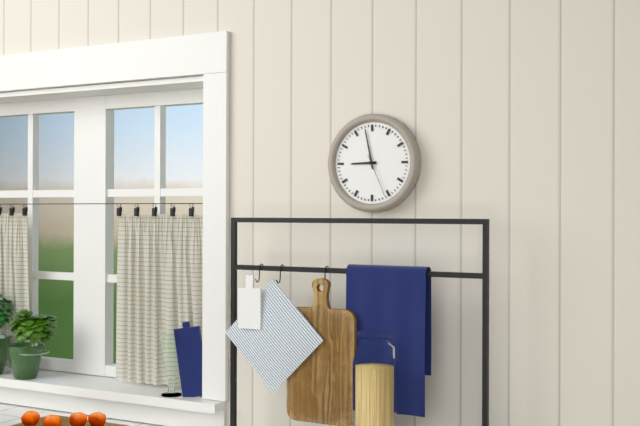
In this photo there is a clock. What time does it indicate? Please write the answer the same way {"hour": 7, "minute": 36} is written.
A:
{"hour": 8, "minute": 58}
